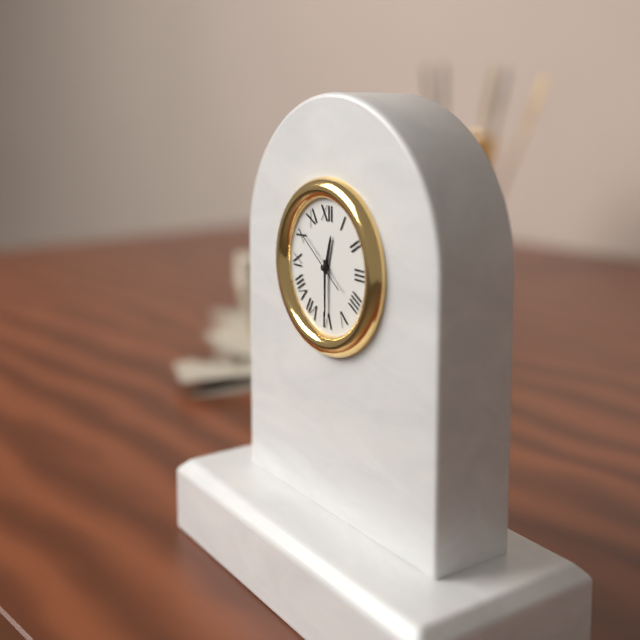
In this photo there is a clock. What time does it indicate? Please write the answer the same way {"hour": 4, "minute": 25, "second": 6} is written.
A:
{"hour": 12, "minute": 30, "second": 51}
